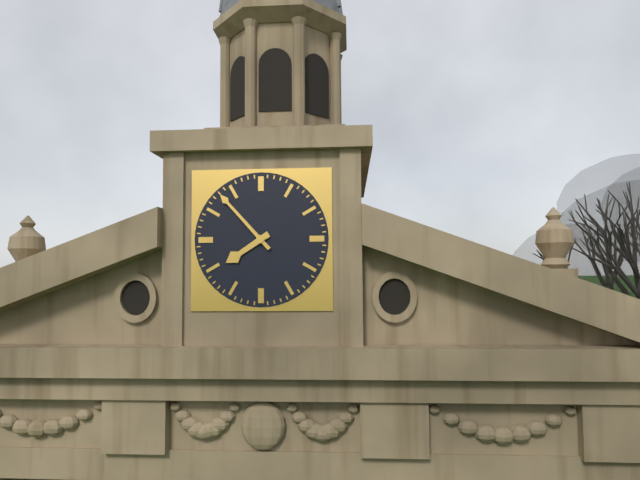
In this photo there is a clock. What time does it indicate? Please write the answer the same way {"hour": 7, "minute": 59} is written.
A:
{"hour": 7, "minute": 53}
